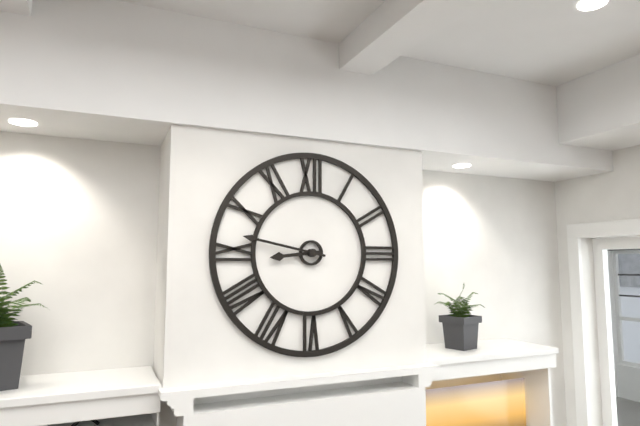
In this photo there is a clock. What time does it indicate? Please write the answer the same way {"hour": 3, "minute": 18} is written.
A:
{"hour": 8, "minute": 47}
